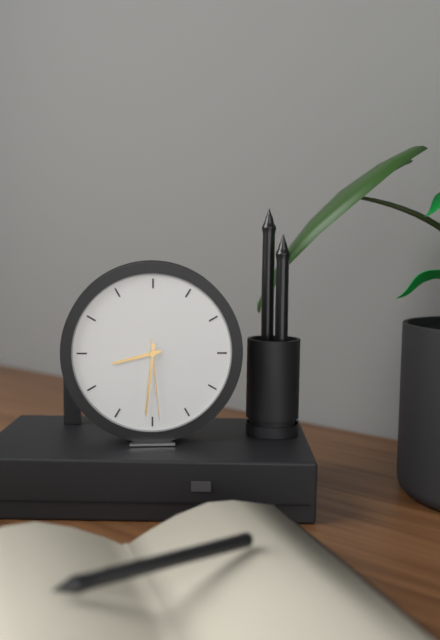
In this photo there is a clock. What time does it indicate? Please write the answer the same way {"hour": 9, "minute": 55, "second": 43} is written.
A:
{"hour": 8, "minute": 31, "second": 29}
